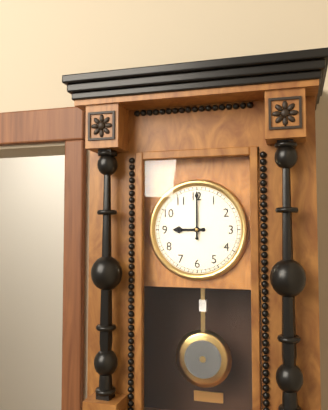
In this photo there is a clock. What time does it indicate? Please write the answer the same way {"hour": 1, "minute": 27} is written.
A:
{"hour": 9, "minute": 0}
